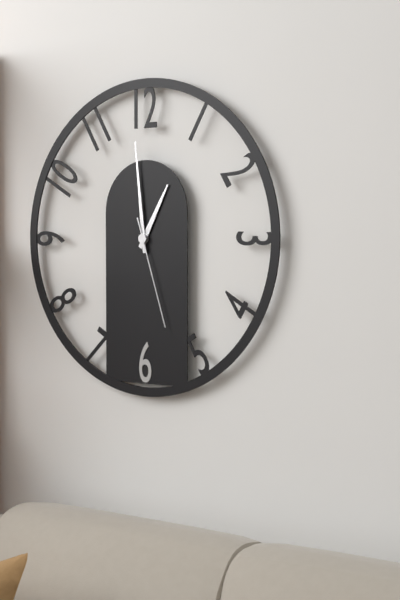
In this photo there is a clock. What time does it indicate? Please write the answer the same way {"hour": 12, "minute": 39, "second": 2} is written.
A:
{"hour": 12, "minute": 59, "second": 27}
